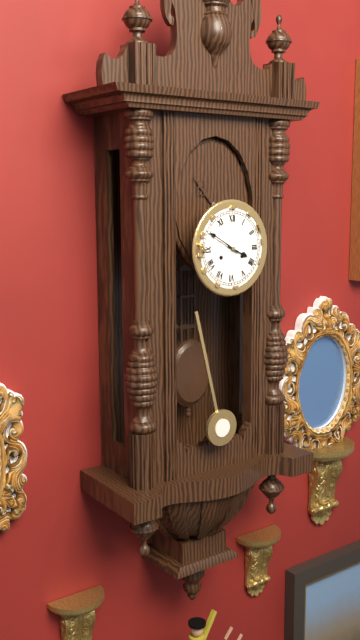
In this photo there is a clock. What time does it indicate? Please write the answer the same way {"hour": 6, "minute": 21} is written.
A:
{"hour": 3, "minute": 50}
